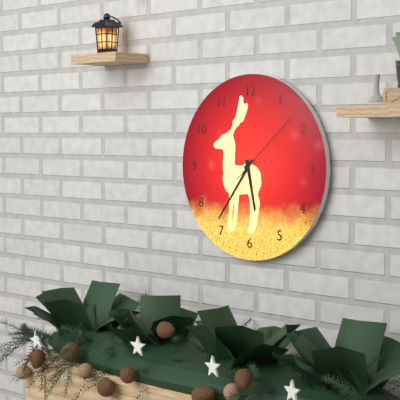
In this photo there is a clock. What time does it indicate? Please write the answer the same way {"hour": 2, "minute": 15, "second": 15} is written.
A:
{"hour": 5, "minute": 36, "second": 8}
